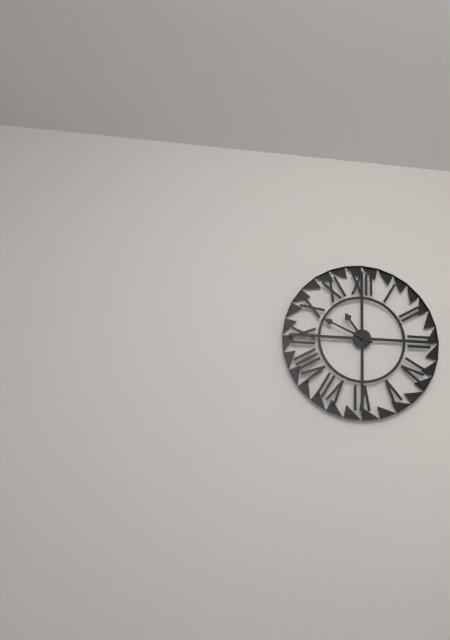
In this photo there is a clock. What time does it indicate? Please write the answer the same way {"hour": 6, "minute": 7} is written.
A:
{"hour": 10, "minute": 49}
